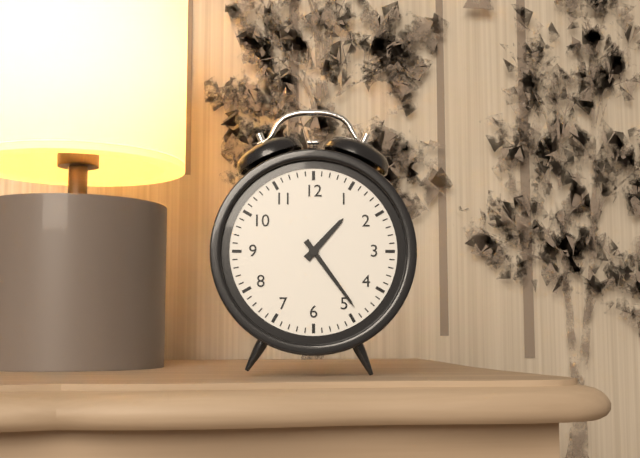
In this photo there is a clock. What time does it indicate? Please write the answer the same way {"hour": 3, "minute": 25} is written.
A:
{"hour": 1, "minute": 24}
